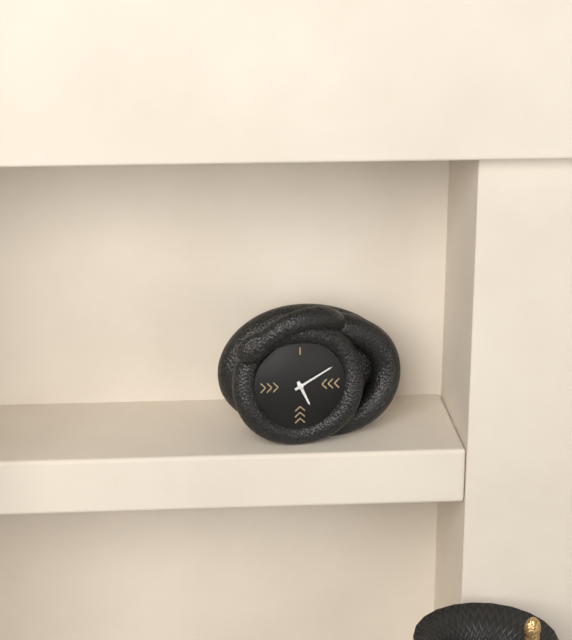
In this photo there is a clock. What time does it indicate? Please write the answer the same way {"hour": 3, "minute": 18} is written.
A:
{"hour": 5, "minute": 10}
